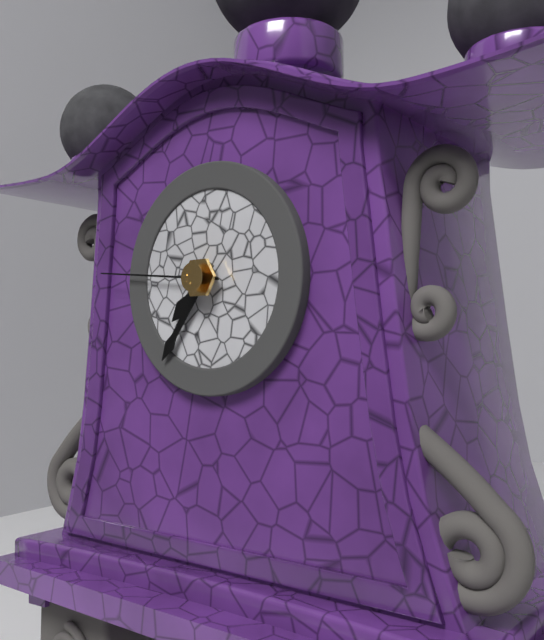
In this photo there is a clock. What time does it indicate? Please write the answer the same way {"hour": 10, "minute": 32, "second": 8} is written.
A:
{"hour": 7, "minute": 36, "second": 46}
